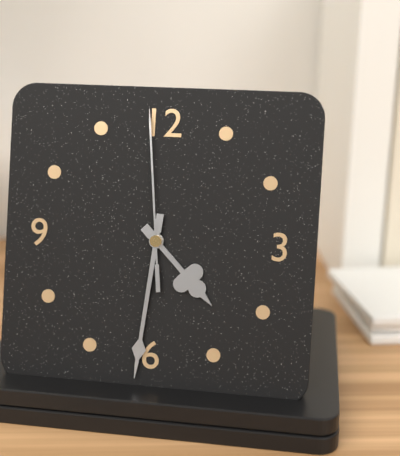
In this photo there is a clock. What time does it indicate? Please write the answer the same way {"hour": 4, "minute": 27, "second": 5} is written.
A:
{"hour": 4, "minute": 31, "second": 59}
